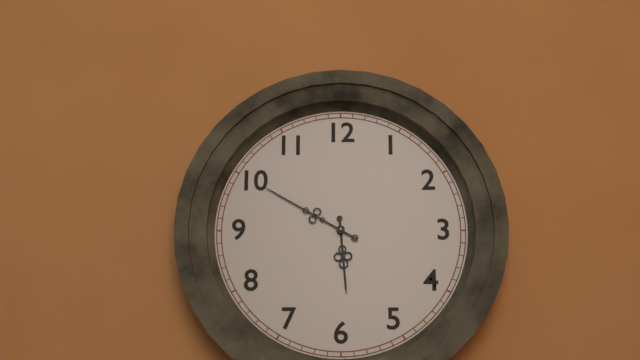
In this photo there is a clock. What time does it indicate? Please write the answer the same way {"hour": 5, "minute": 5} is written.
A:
{"hour": 5, "minute": 50}
